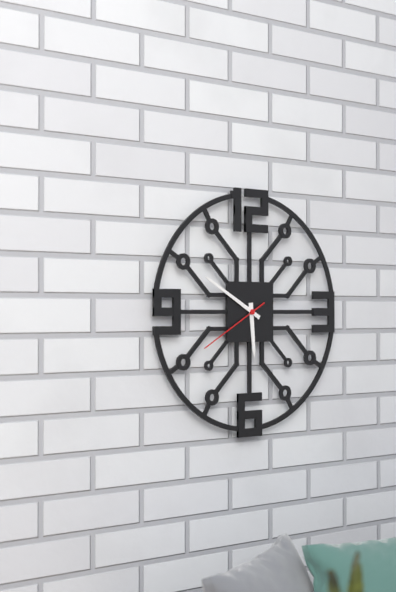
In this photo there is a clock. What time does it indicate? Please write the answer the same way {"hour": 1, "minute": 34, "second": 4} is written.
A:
{"hour": 5, "minute": 50, "second": 40}
